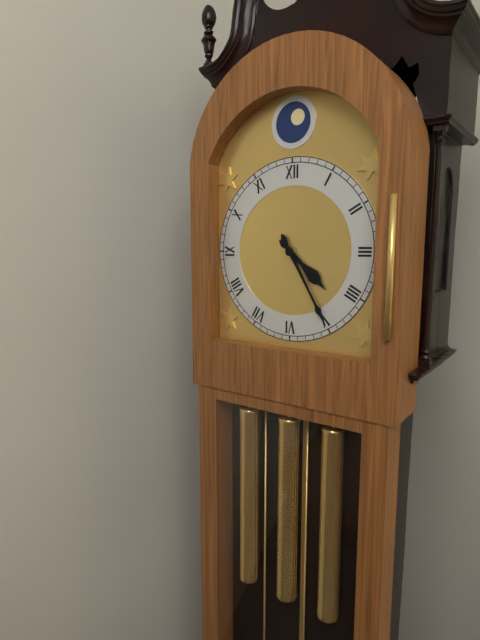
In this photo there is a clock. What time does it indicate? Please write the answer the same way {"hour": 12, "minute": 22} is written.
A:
{"hour": 4, "minute": 25}
